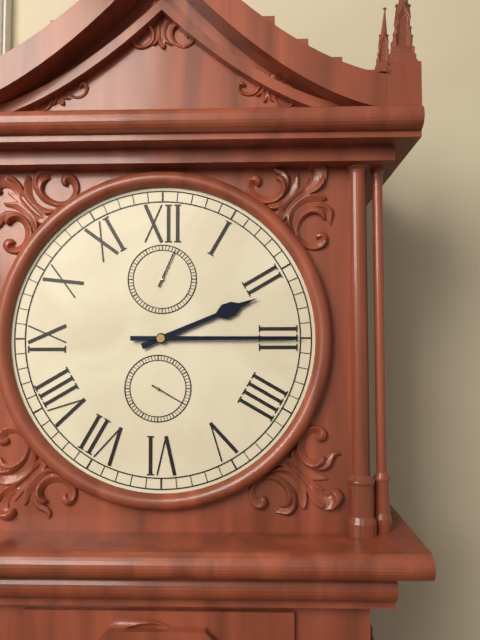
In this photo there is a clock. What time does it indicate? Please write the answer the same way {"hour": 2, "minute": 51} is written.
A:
{"hour": 2, "minute": 15}
